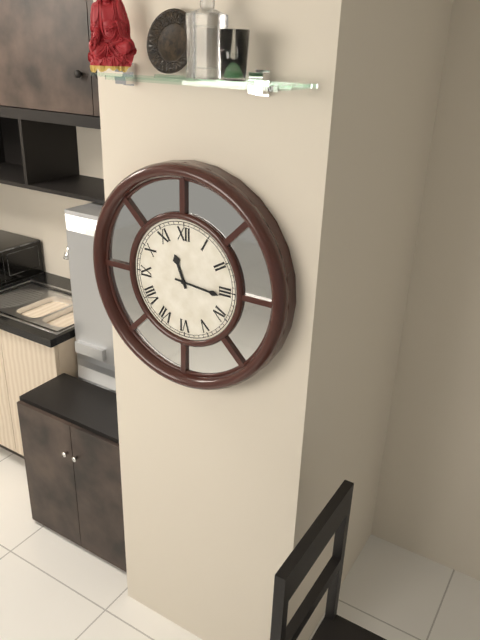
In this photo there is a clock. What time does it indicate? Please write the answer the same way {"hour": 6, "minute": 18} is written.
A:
{"hour": 11, "minute": 16}
